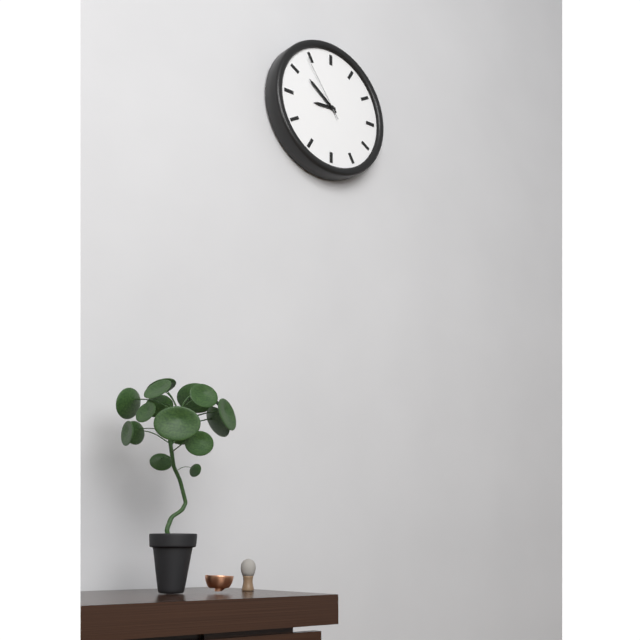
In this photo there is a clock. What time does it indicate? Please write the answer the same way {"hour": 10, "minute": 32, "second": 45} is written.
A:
{"hour": 8, "minute": 51, "second": 54}
